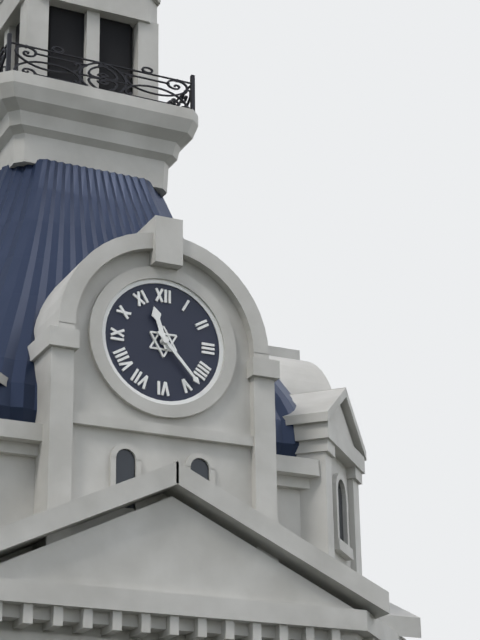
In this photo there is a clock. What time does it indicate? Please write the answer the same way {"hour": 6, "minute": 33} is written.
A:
{"hour": 11, "minute": 23}
